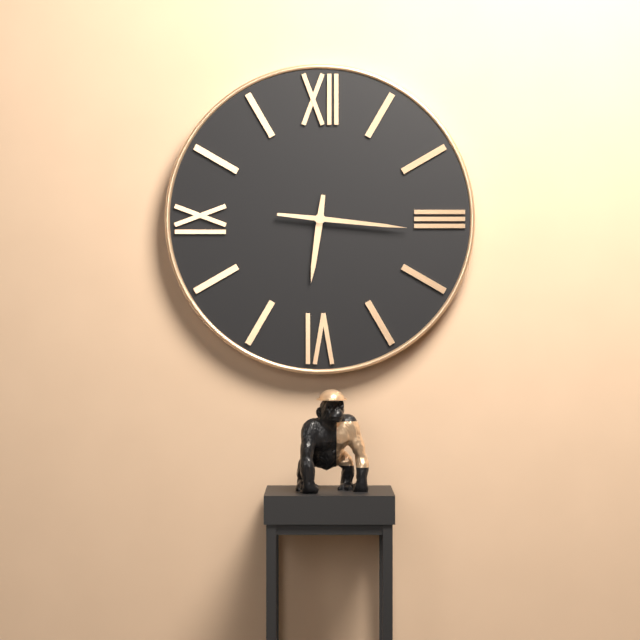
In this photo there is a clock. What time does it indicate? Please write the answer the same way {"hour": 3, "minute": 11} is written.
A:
{"hour": 6, "minute": 16}
